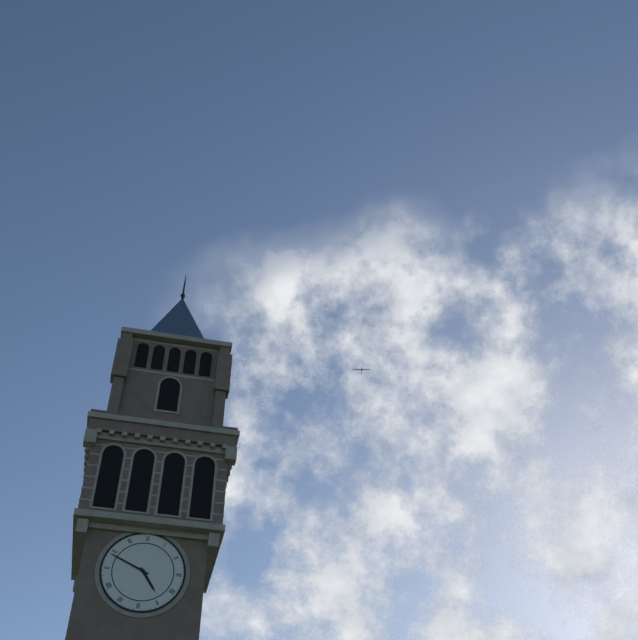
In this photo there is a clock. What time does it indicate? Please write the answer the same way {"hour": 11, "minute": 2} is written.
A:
{"hour": 4, "minute": 49}
